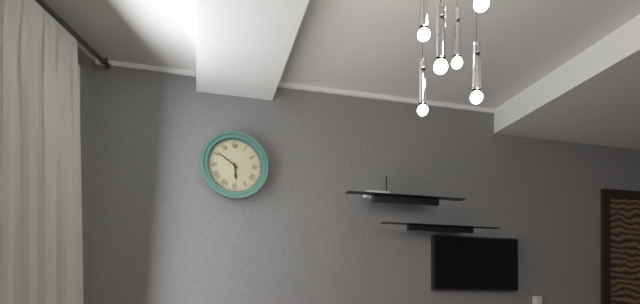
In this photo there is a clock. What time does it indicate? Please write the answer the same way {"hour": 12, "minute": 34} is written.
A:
{"hour": 5, "minute": 51}
